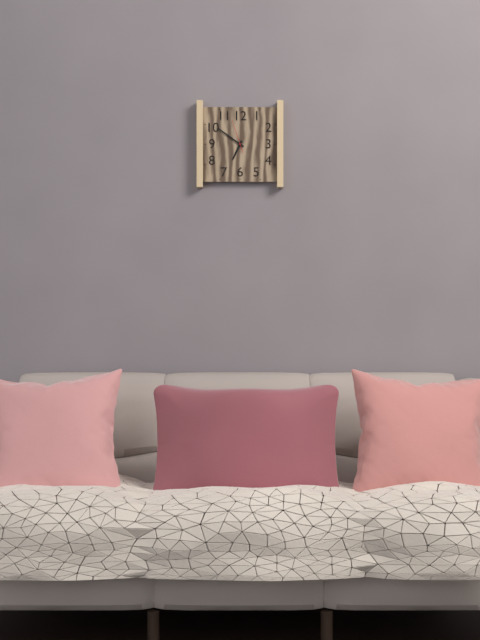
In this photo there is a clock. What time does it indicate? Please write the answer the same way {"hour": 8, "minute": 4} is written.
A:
{"hour": 6, "minute": 51}
